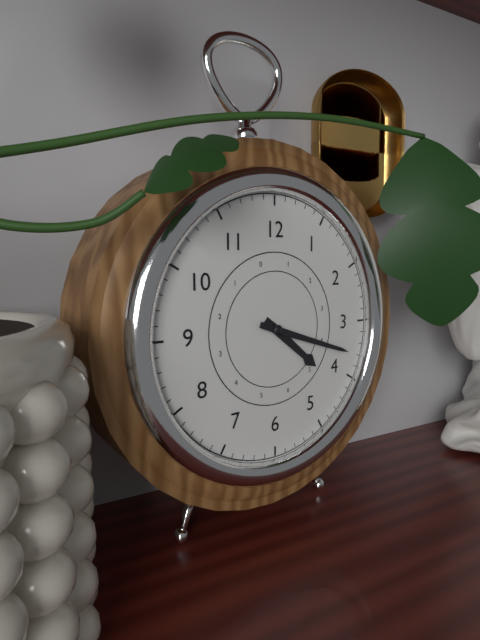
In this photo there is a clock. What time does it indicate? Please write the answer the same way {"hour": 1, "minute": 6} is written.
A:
{"hour": 4, "minute": 18}
